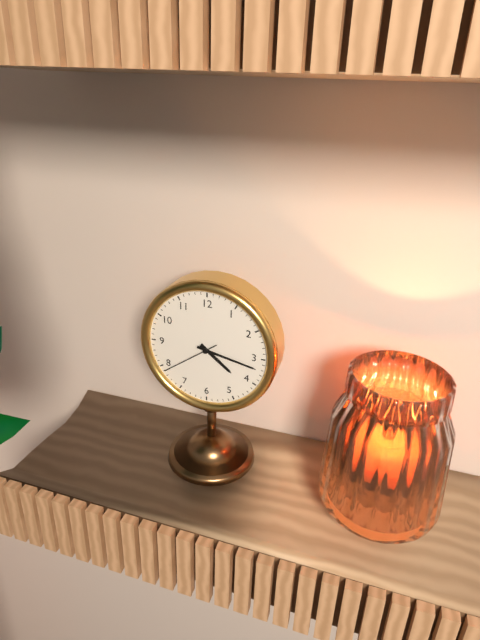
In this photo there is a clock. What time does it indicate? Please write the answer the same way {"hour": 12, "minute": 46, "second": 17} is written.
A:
{"hour": 4, "minute": 17, "second": 39}
